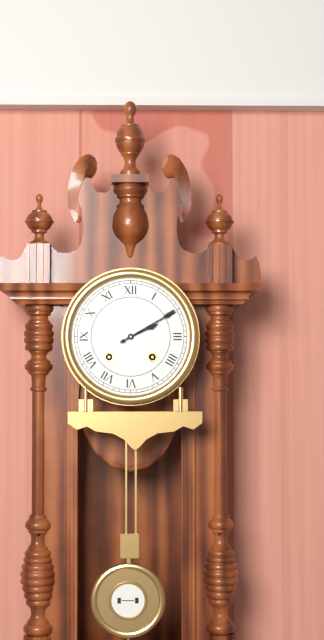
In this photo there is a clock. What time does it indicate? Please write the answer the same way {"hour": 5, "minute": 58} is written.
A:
{"hour": 2, "minute": 10}
